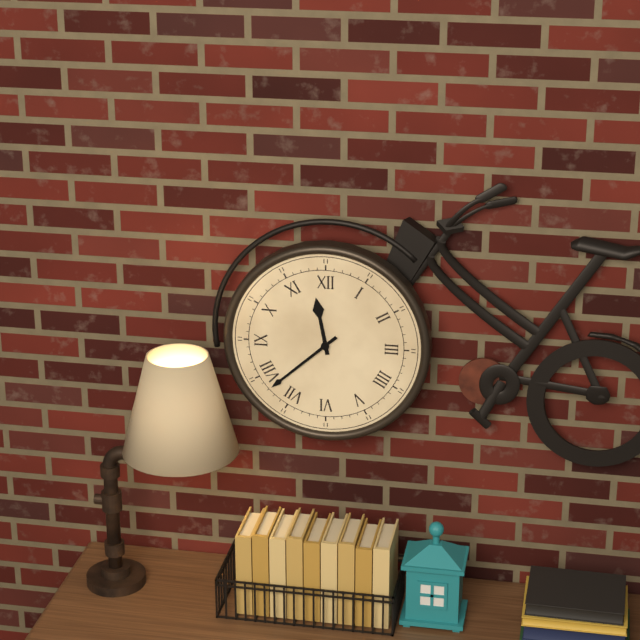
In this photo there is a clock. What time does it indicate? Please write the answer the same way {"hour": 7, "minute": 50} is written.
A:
{"hour": 11, "minute": 38}
